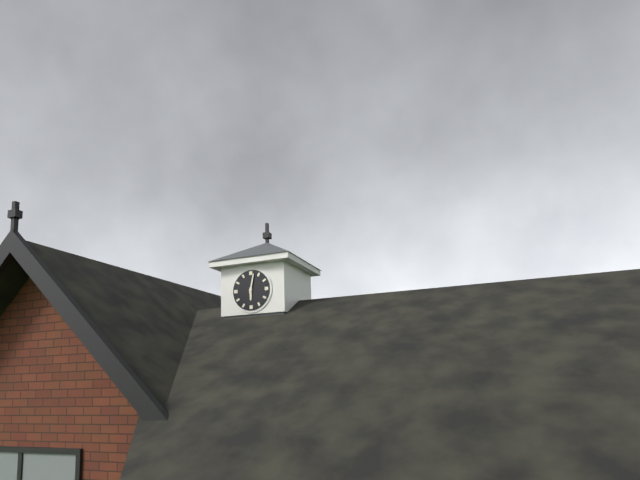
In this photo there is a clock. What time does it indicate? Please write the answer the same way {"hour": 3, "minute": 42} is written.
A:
{"hour": 6, "minute": 2}
